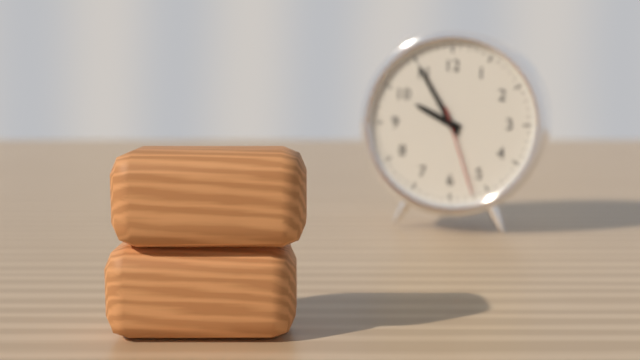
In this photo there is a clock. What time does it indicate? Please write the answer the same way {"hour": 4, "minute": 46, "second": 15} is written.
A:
{"hour": 9, "minute": 55, "second": 27}
